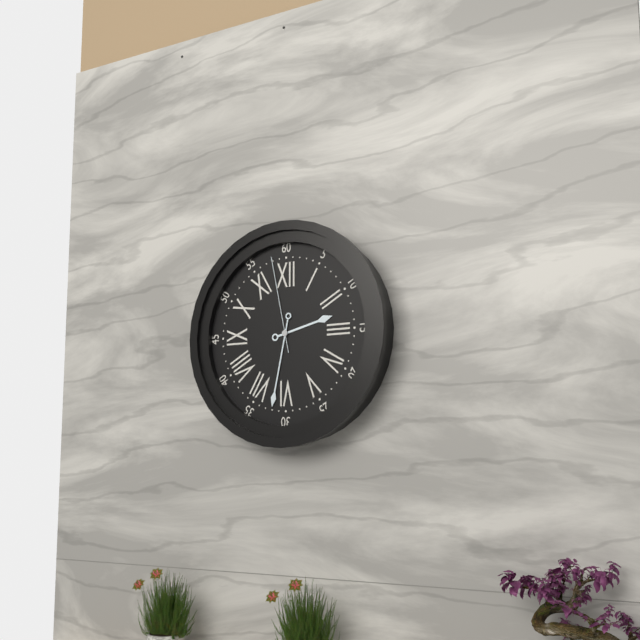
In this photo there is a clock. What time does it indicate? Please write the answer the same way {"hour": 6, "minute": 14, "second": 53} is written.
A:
{"hour": 2, "minute": 32, "second": 58}
